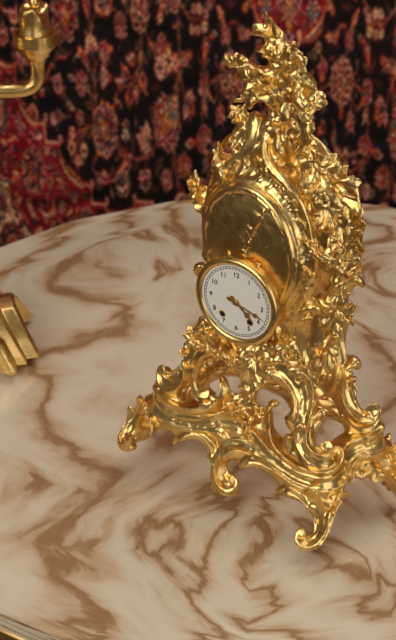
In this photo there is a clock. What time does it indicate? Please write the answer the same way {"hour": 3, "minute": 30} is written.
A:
{"hour": 4, "minute": 18}
